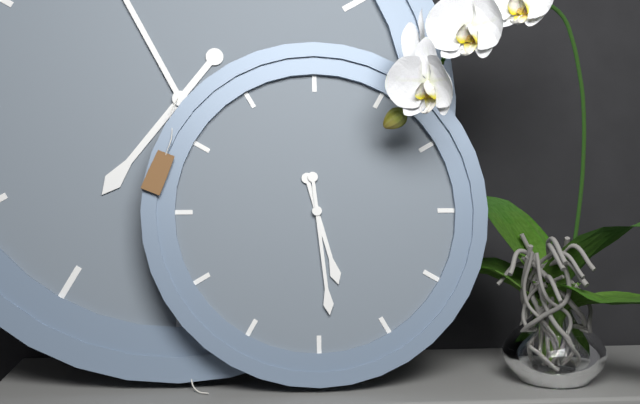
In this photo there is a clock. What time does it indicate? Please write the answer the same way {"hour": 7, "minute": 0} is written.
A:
{"hour": 5, "minute": 29}
